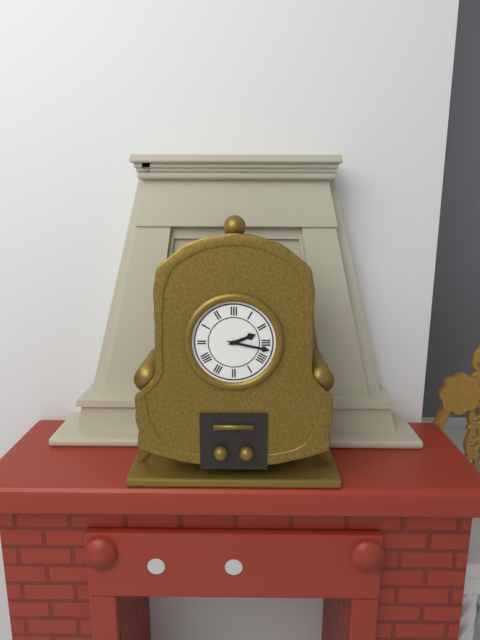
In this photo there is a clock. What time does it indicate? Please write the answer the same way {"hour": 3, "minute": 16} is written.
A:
{"hour": 2, "minute": 17}
